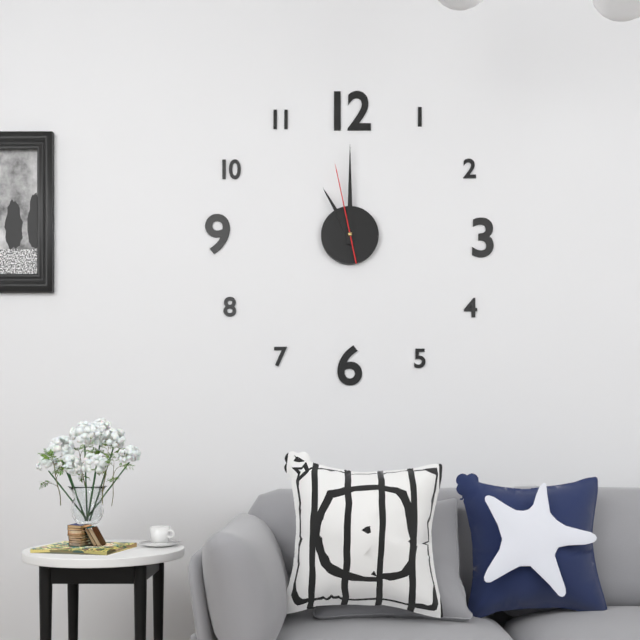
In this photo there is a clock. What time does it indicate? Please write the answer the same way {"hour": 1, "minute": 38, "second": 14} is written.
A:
{"hour": 11, "minute": 0, "second": 58}
